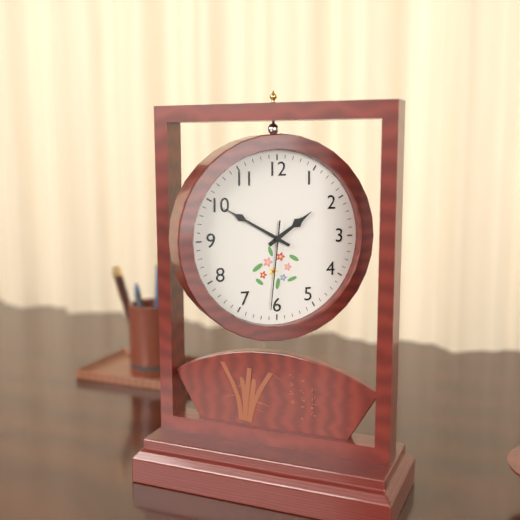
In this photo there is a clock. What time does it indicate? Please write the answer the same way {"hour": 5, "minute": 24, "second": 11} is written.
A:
{"hour": 1, "minute": 50, "second": 31}
